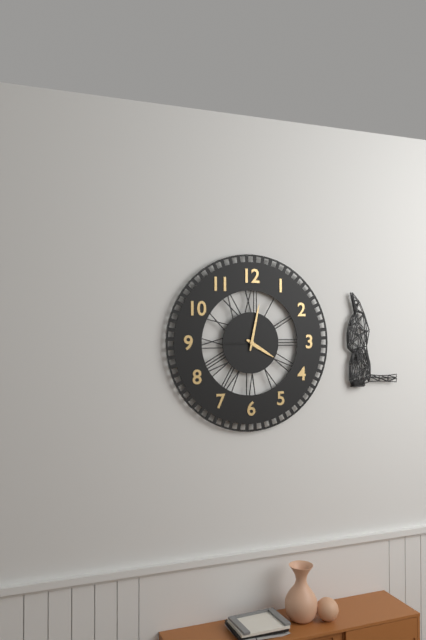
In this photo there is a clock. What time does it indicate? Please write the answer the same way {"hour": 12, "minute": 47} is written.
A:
{"hour": 4, "minute": 2}
